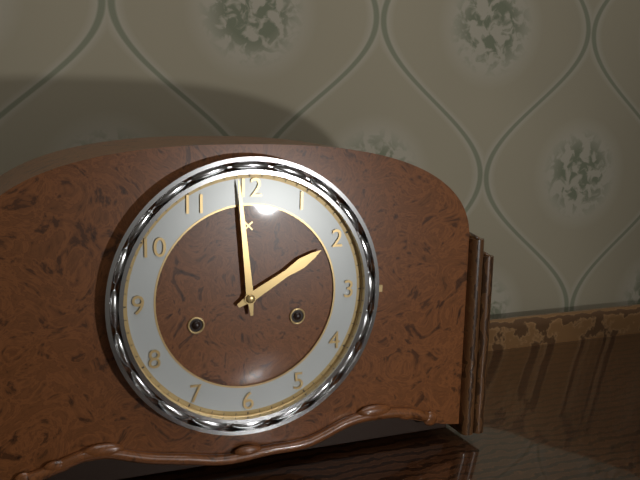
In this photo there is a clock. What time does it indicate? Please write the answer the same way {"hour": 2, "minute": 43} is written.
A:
{"hour": 1, "minute": 59}
